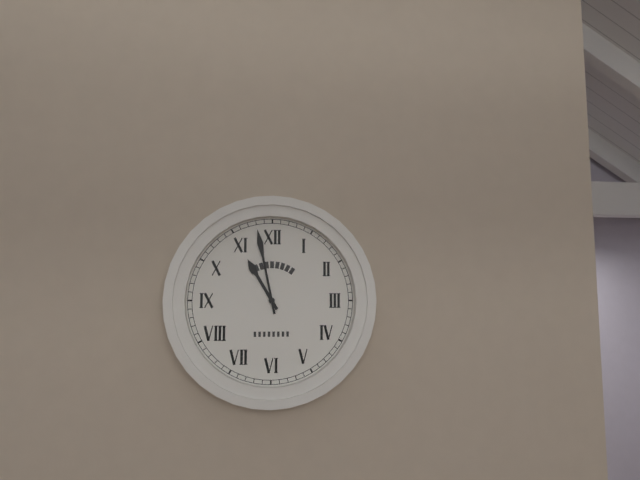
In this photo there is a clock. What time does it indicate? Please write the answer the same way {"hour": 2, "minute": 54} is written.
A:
{"hour": 10, "minute": 58}
